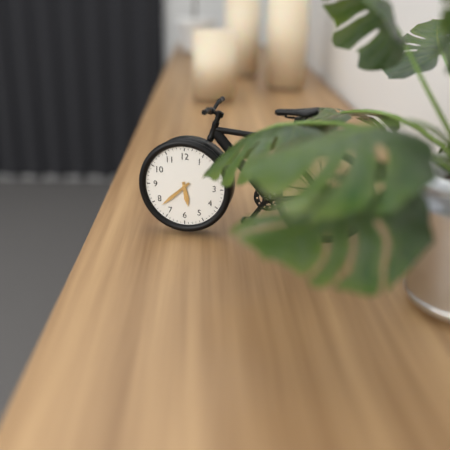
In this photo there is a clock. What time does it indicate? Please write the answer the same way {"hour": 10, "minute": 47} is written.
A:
{"hour": 5, "minute": 38}
